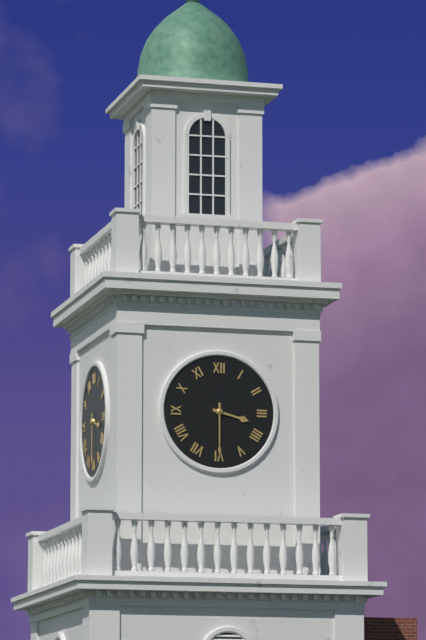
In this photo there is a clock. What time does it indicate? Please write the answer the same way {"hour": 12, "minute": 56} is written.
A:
{"hour": 3, "minute": 30}
